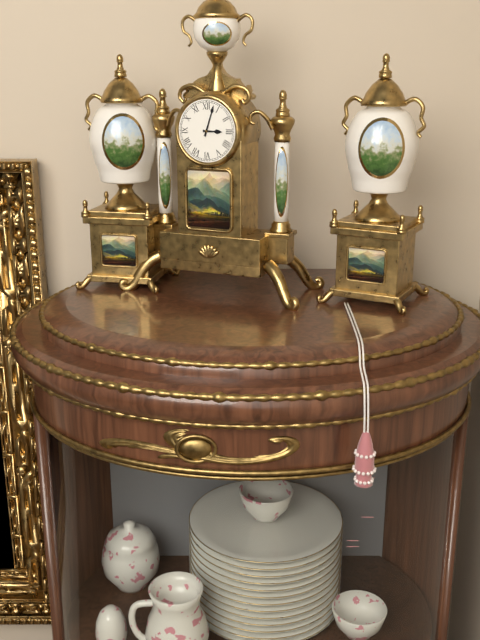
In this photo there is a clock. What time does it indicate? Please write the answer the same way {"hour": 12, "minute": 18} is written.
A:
{"hour": 3, "minute": 3}
